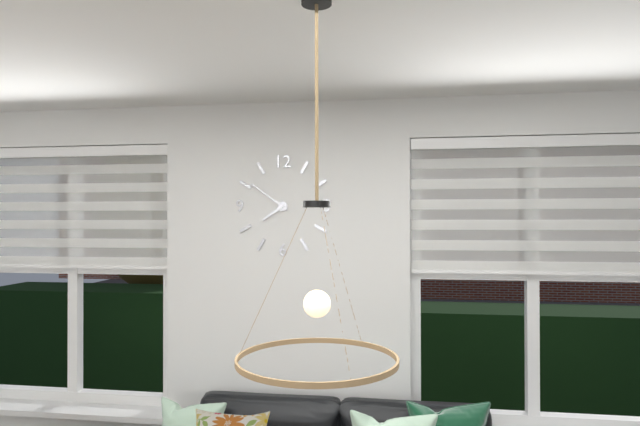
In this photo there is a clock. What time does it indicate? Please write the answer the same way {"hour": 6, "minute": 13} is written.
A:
{"hour": 7, "minute": 51}
